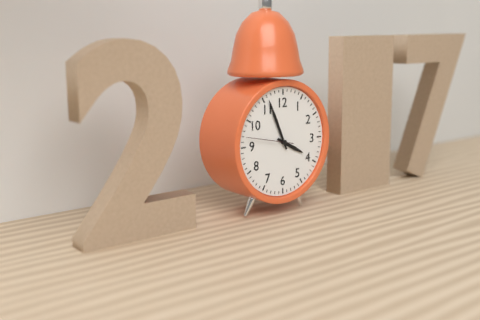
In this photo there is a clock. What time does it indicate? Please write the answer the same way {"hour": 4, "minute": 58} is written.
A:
{"hour": 3, "minute": 56}
